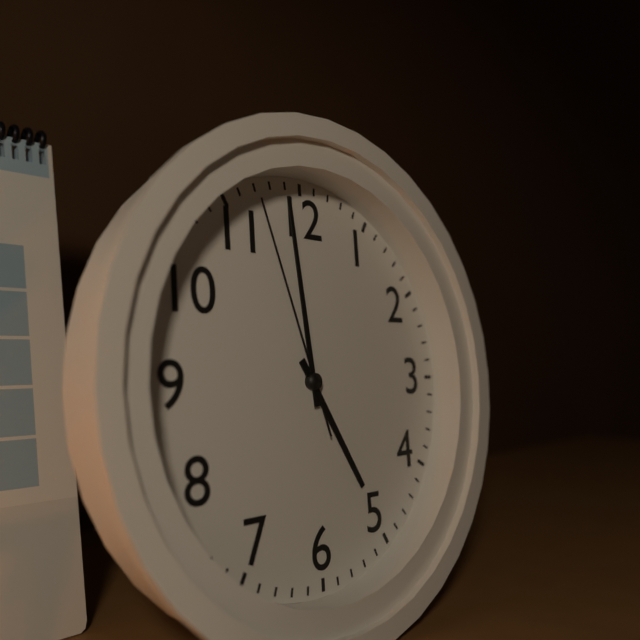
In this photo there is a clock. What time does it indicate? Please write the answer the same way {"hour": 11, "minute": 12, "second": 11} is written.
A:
{"hour": 4, "minute": 59, "second": 57}
